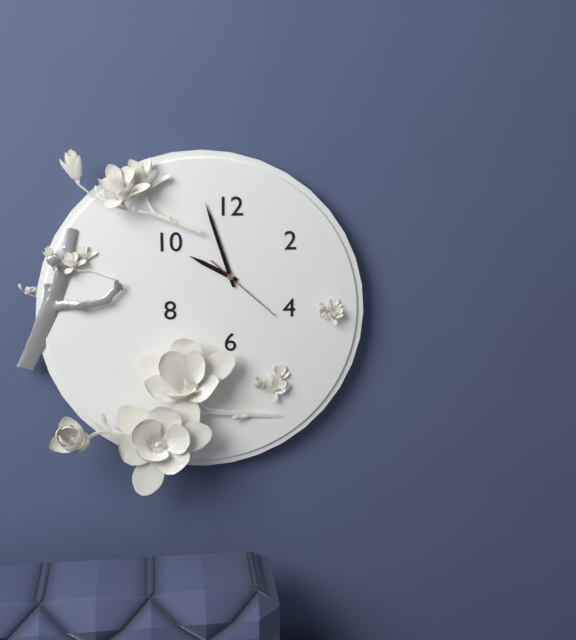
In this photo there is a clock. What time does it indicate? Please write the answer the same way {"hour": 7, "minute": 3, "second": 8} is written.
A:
{"hour": 9, "minute": 57, "second": 22}
